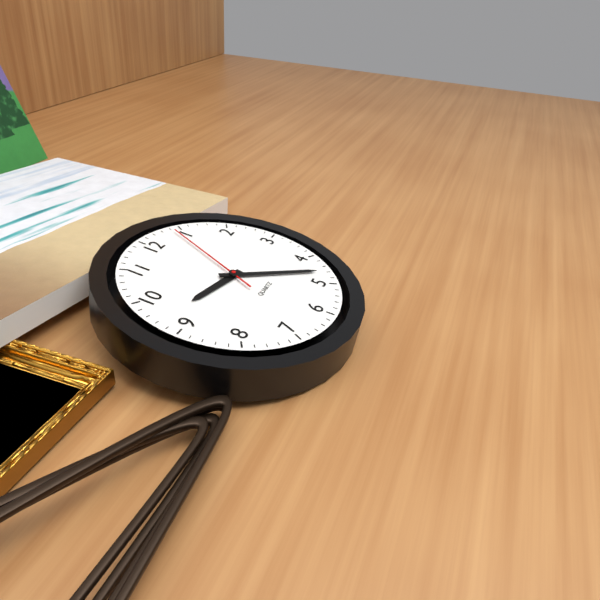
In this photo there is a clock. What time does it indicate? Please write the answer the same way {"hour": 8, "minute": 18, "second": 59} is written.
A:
{"hour": 9, "minute": 23, "second": 4}
